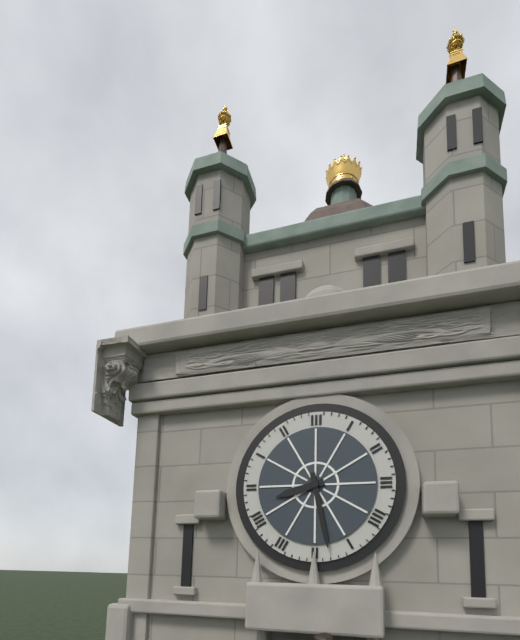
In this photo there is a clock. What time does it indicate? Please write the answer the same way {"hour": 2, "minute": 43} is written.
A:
{"hour": 8, "minute": 28}
